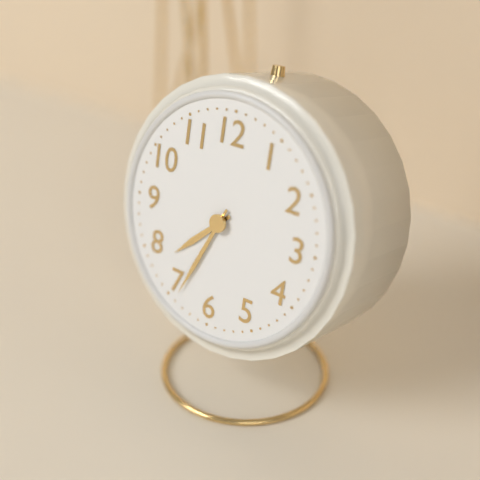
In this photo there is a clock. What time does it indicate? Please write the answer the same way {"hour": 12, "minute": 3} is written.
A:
{"hour": 7, "minute": 34}
